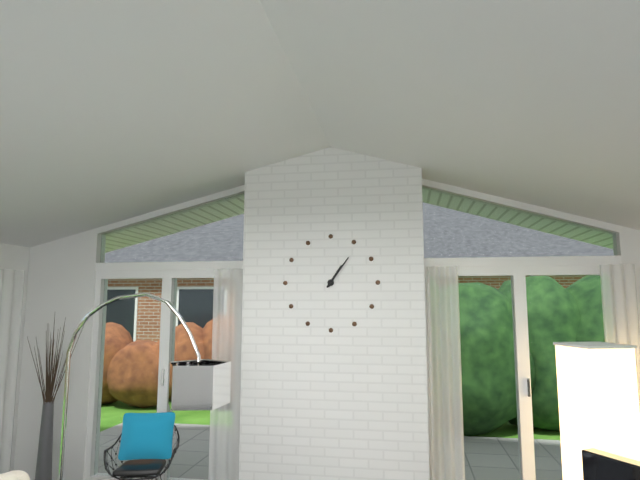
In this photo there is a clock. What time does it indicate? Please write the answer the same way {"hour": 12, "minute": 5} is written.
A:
{"hour": 1, "minute": 6}
